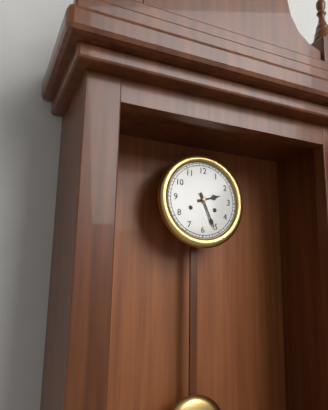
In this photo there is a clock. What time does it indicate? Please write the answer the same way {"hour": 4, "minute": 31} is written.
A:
{"hour": 2, "minute": 26}
